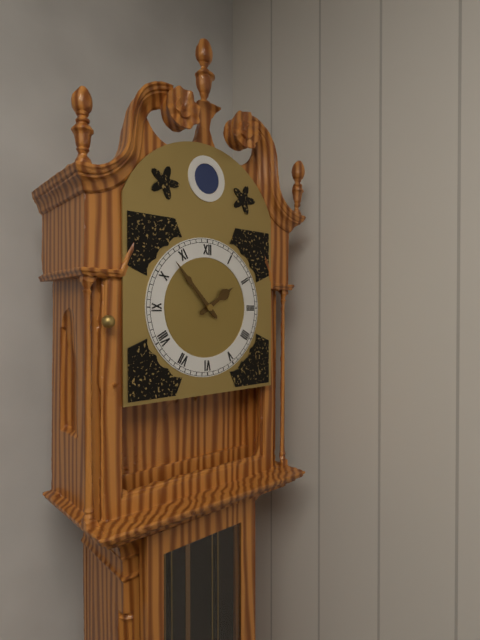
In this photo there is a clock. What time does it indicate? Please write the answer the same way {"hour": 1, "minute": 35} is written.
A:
{"hour": 1, "minute": 53}
